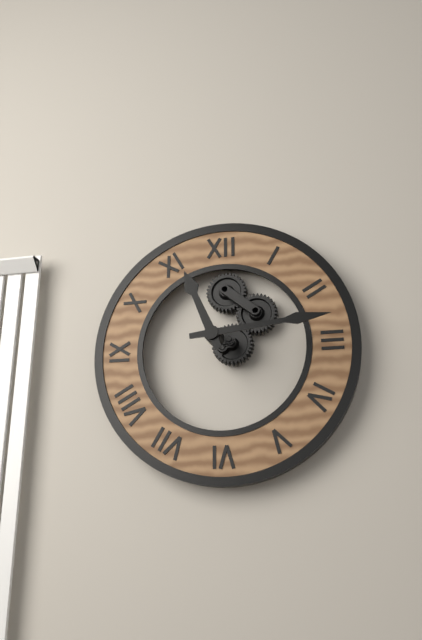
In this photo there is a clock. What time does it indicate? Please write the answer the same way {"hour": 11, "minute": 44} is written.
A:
{"hour": 11, "minute": 14}
